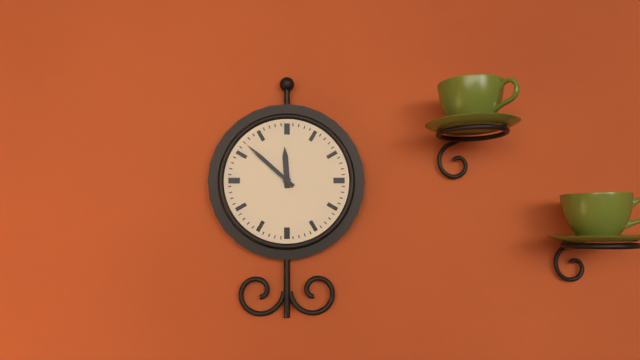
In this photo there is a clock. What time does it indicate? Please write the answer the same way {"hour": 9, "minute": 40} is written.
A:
{"hour": 11, "minute": 52}
